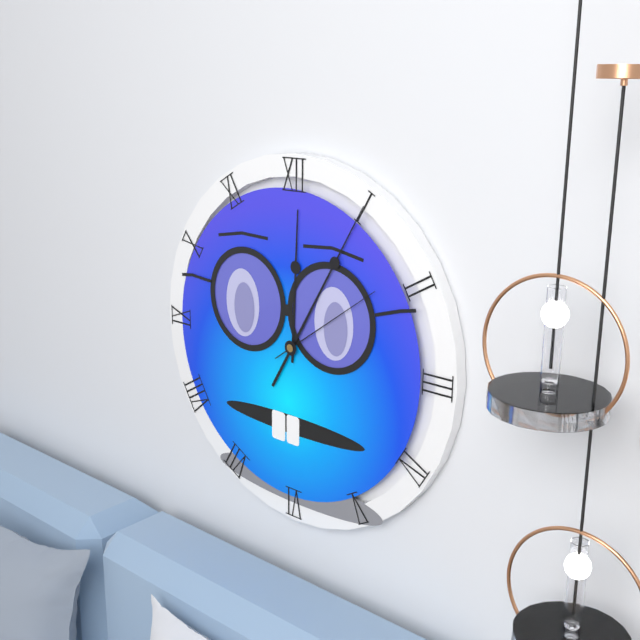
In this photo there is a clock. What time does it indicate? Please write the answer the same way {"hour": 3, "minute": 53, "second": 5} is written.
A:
{"hour": 12, "minute": 5, "second": 9}
